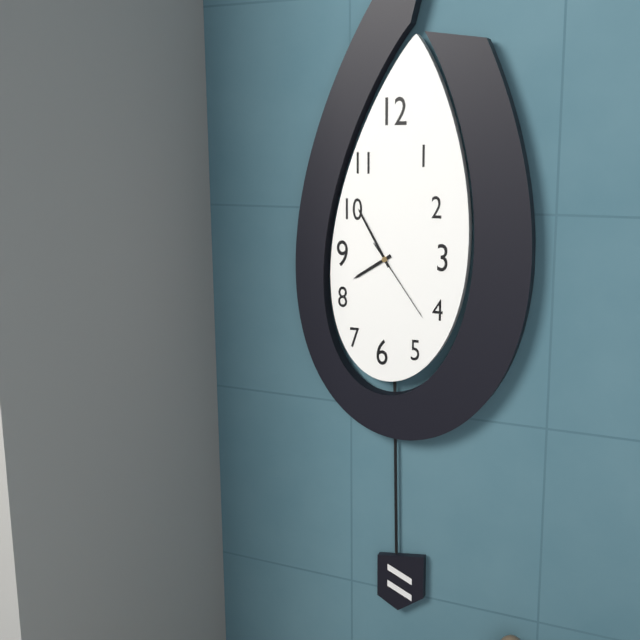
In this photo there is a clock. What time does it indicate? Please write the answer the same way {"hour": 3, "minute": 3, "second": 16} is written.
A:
{"hour": 7, "minute": 55, "second": 24}
